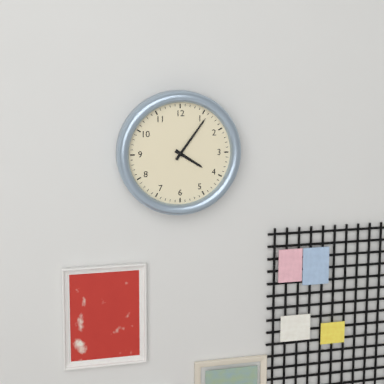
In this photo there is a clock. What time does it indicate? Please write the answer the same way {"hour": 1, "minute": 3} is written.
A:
{"hour": 4, "minute": 6}
